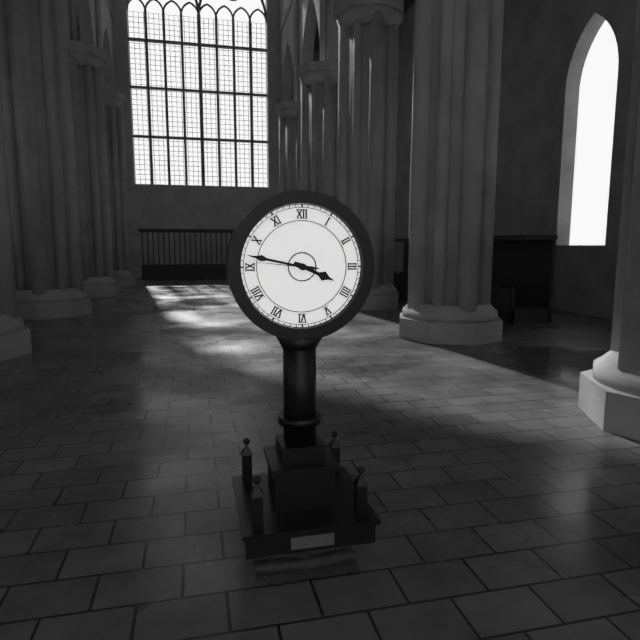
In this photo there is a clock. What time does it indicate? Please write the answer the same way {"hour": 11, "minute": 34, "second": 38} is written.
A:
{"hour": 3, "minute": 47, "second": 46}
